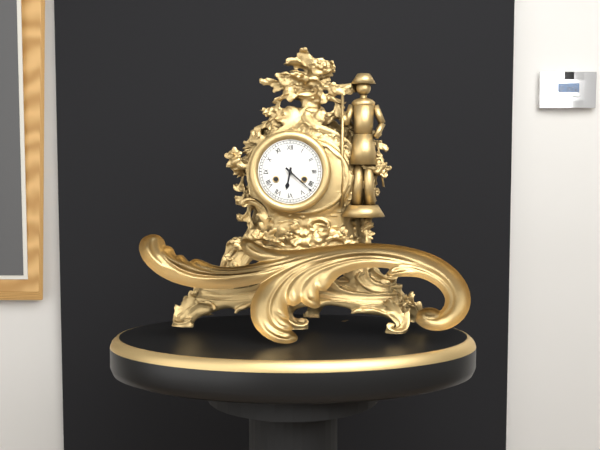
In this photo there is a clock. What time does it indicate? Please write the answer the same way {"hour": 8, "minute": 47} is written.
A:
{"hour": 6, "minute": 22}
